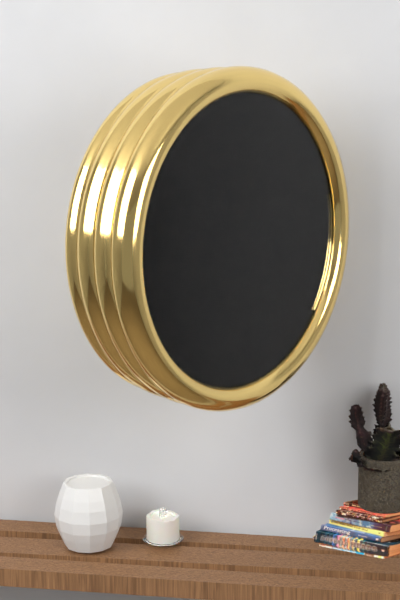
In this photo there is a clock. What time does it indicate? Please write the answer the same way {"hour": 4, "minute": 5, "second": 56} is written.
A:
{"hour": 10, "minute": 59, "second": 41}
